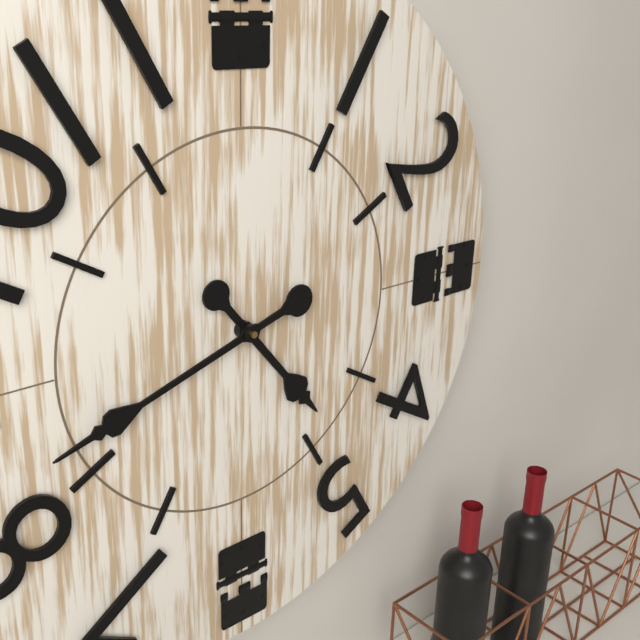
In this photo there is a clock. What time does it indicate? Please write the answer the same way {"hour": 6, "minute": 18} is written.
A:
{"hour": 4, "minute": 42}
